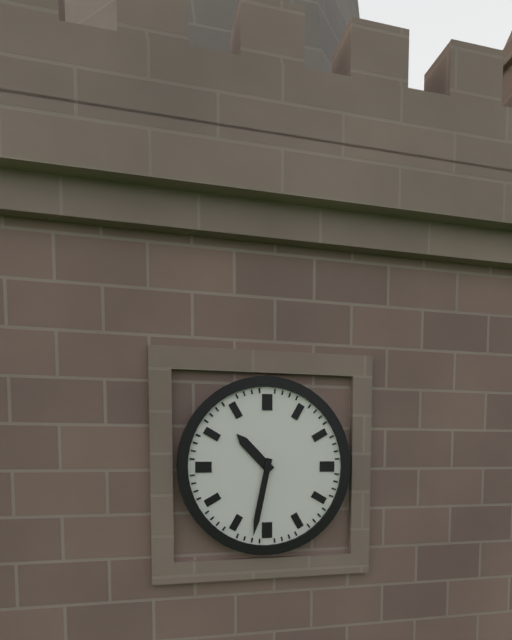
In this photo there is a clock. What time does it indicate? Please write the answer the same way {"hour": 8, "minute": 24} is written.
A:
{"hour": 10, "minute": 32}
